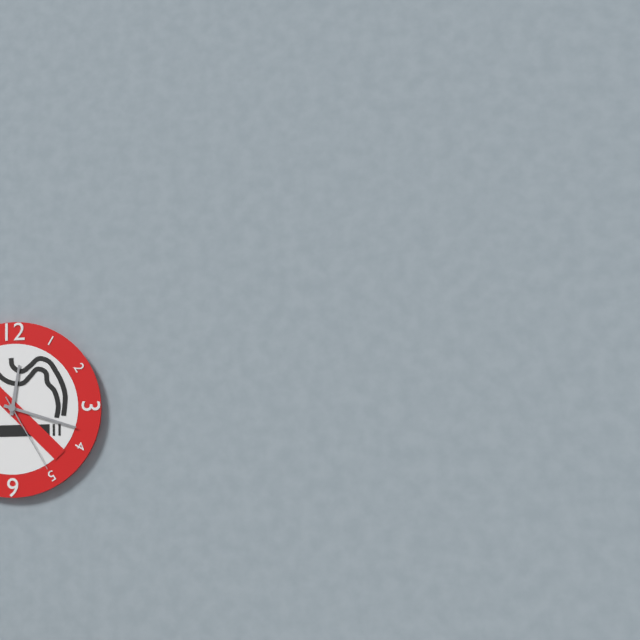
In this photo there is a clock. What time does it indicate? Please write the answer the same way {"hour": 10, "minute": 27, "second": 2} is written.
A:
{"hour": 12, "minute": 18, "second": 25}
